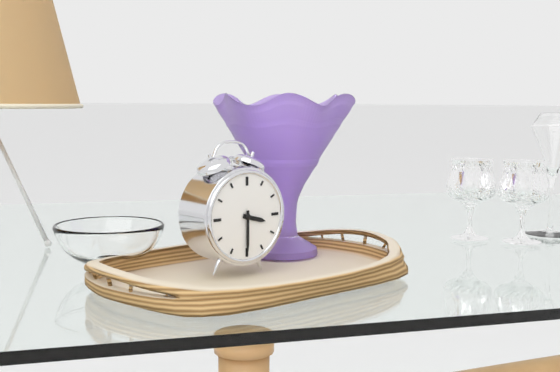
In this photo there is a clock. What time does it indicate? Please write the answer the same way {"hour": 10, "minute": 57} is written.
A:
{"hour": 3, "minute": 30}
